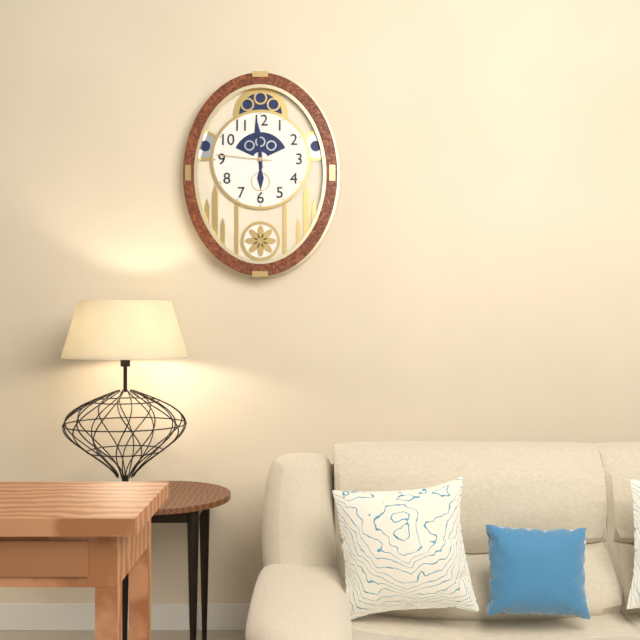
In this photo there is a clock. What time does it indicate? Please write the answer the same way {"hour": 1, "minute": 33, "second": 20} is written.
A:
{"hour": 5, "minute": 59, "second": 46}
